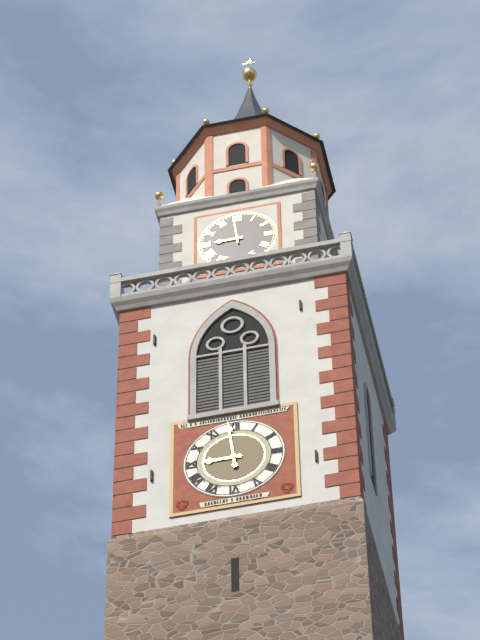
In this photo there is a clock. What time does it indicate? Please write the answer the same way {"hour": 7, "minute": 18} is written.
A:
{"hour": 8, "minute": 59}
